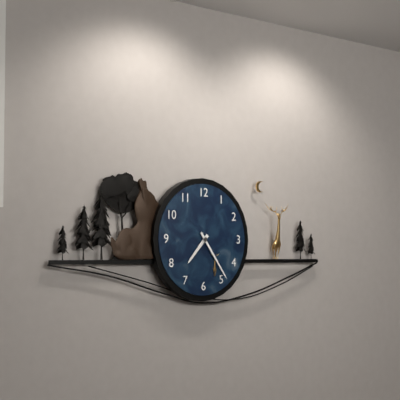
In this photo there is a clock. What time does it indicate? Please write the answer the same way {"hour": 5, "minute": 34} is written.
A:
{"hour": 7, "minute": 24}
